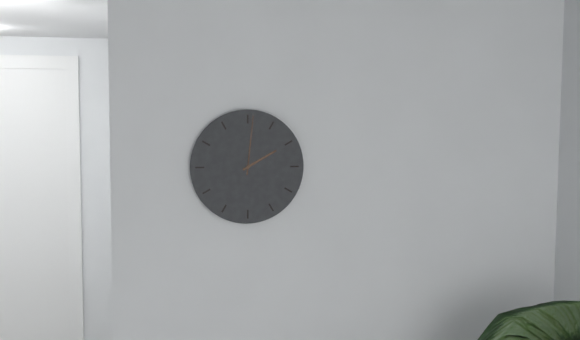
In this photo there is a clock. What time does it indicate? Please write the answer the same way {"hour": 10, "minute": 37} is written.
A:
{"hour": 2, "minute": 1}
